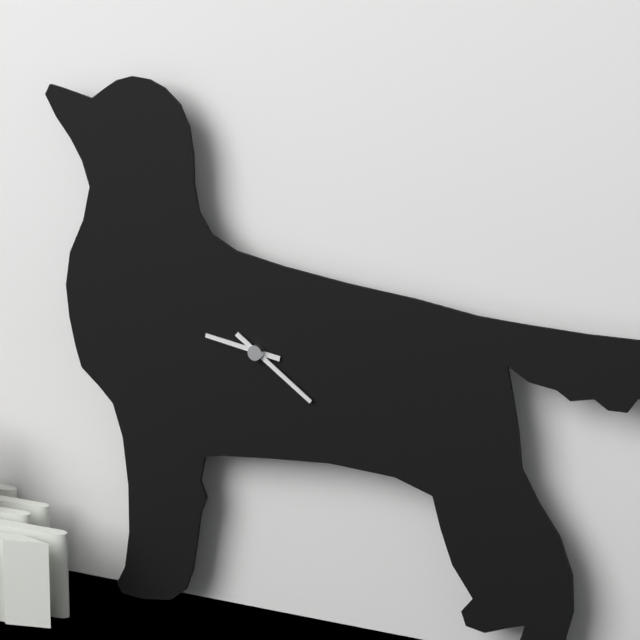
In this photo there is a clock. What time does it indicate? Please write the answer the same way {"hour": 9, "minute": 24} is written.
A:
{"hour": 9, "minute": 21}
